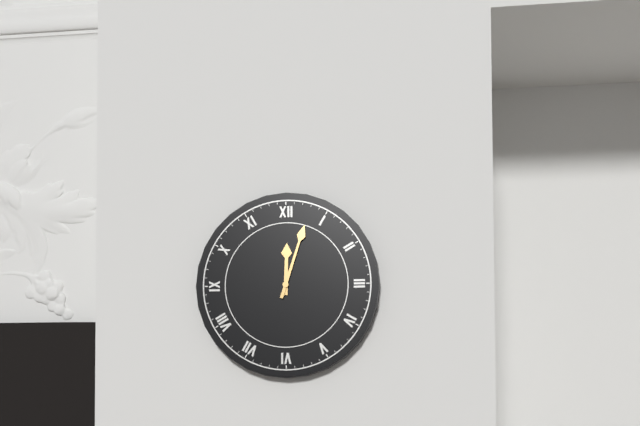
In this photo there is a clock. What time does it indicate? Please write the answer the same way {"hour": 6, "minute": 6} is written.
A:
{"hour": 12, "minute": 3}
